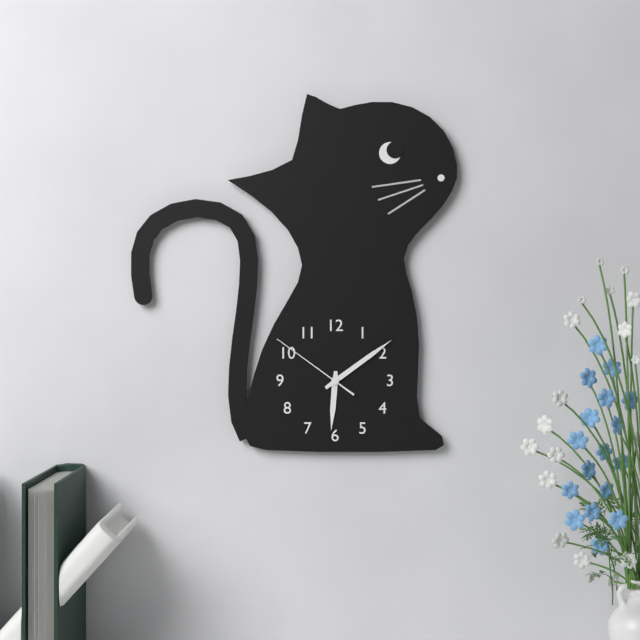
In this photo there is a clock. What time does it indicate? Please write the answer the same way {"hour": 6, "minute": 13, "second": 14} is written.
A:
{"hour": 6, "minute": 9, "second": 51}
